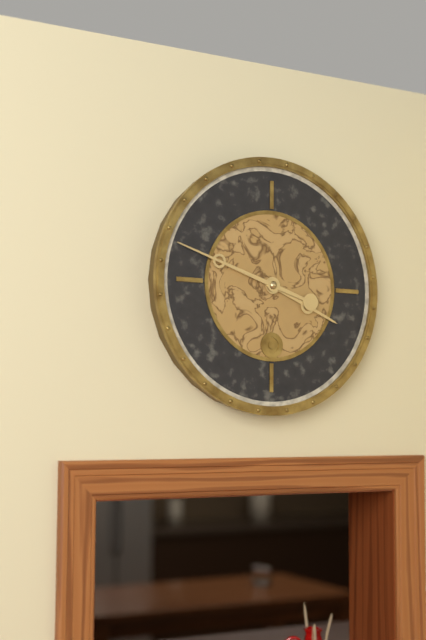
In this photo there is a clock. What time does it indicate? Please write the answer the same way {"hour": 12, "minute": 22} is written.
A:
{"hour": 3, "minute": 48}
